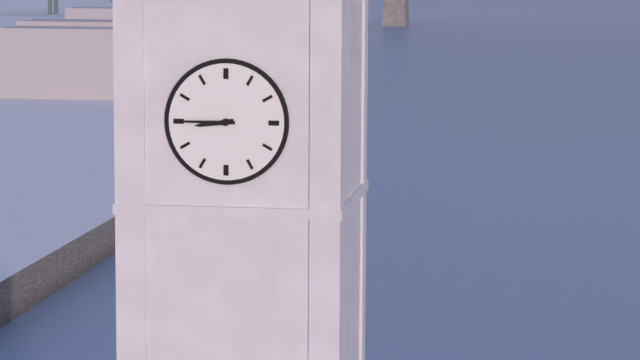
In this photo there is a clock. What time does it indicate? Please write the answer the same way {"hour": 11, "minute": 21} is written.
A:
{"hour": 8, "minute": 45}
